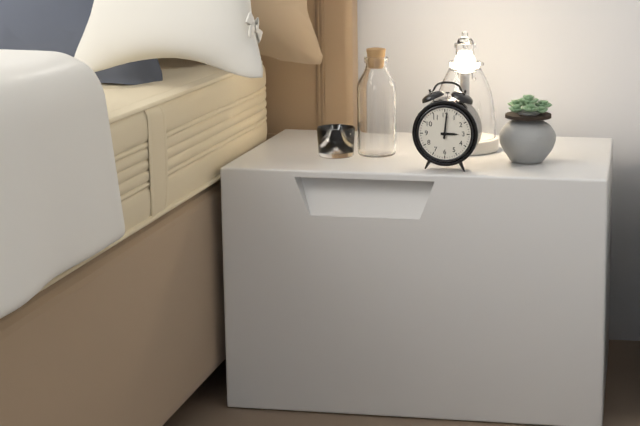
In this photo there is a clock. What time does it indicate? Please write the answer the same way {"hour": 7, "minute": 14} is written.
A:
{"hour": 3, "minute": 1}
